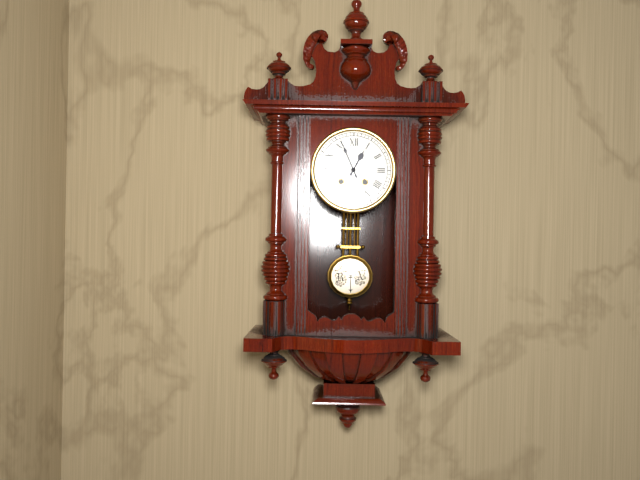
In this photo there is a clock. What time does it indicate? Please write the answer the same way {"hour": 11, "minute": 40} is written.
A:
{"hour": 12, "minute": 56}
